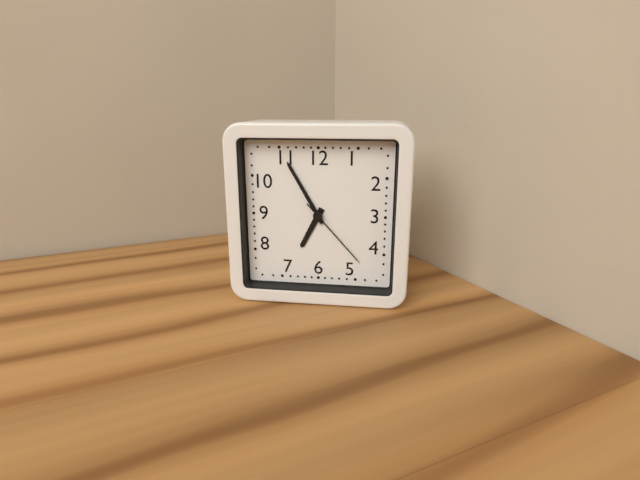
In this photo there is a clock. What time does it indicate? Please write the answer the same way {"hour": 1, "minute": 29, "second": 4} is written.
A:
{"hour": 6, "minute": 55, "second": 23}
